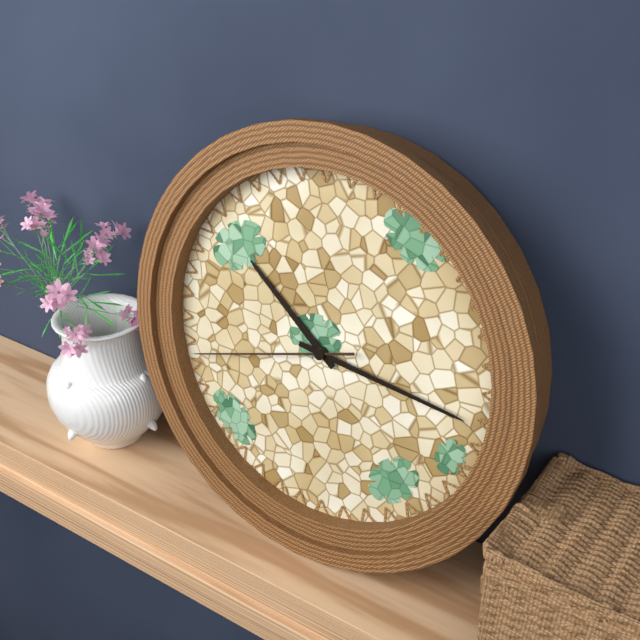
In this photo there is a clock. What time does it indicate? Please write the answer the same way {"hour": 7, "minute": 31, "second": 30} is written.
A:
{"hour": 10, "minute": 16, "second": 42}
